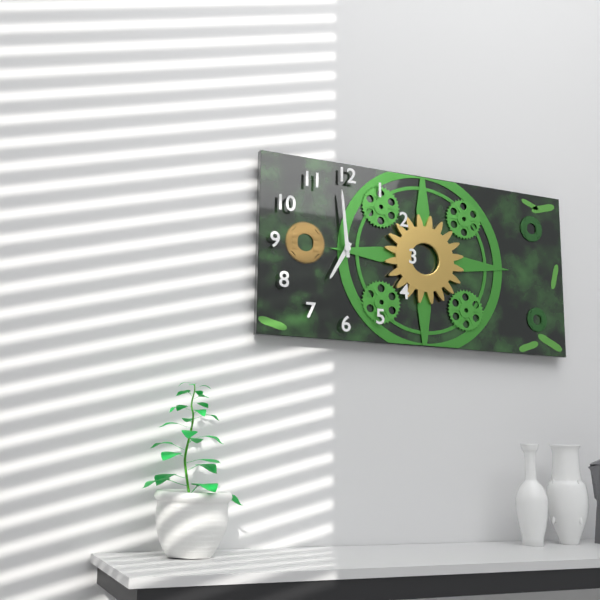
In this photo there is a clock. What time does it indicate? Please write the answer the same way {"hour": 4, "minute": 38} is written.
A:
{"hour": 6, "minute": 59}
